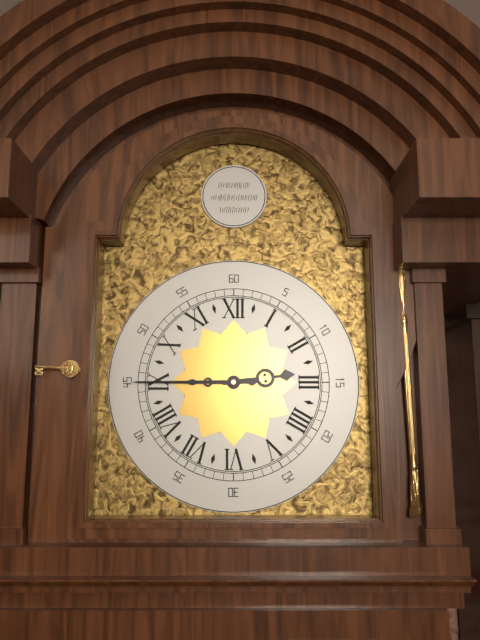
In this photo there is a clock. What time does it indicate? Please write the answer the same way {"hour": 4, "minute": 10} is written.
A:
{"hour": 2, "minute": 45}
